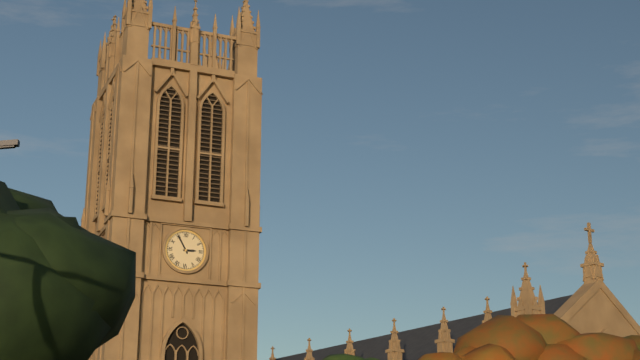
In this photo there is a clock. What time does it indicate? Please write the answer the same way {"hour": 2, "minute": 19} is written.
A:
{"hour": 2, "minute": 55}
